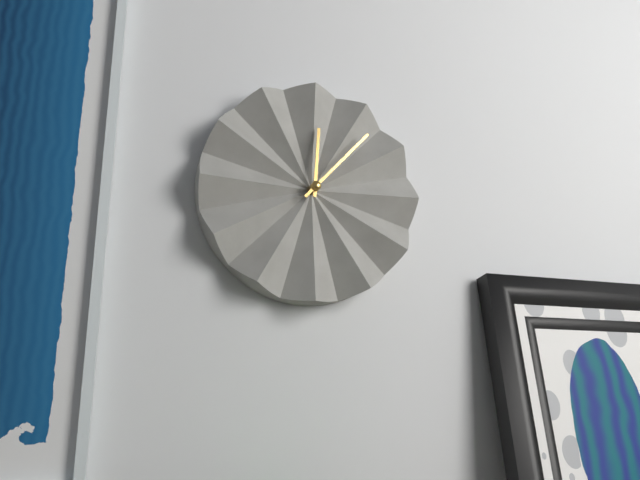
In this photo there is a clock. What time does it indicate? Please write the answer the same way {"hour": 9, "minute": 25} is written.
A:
{"hour": 12, "minute": 7}
